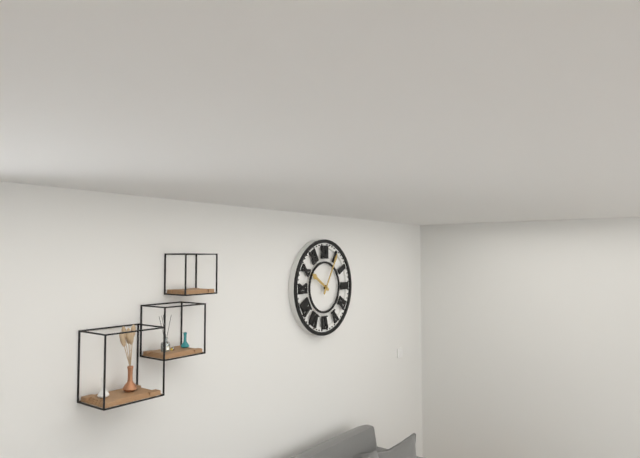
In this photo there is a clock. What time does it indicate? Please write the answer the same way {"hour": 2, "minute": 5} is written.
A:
{"hour": 10, "minute": 5}
